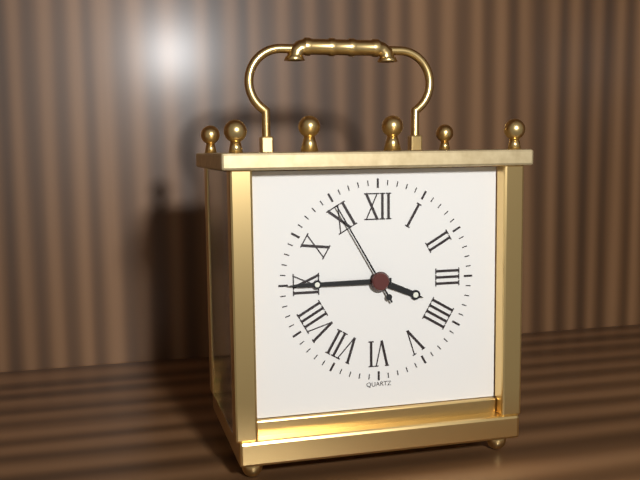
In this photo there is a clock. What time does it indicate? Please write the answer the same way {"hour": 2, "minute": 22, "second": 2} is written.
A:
{"hour": 3, "minute": 45, "second": 55}
